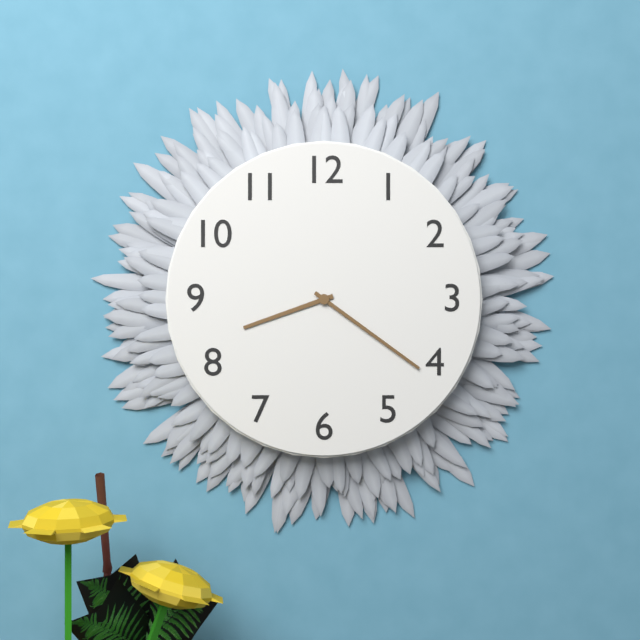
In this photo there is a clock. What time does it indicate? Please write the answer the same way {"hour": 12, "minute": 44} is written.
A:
{"hour": 8, "minute": 21}
